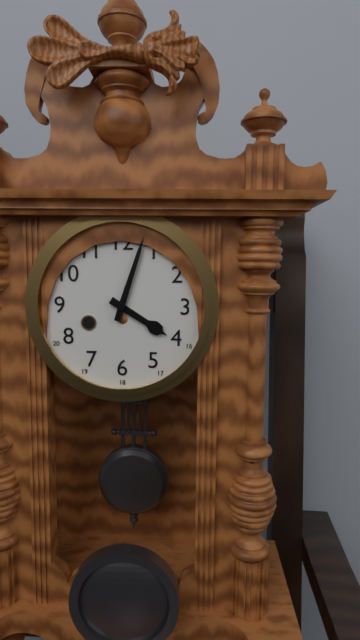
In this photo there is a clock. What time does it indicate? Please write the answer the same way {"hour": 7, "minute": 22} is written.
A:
{"hour": 4, "minute": 3}
